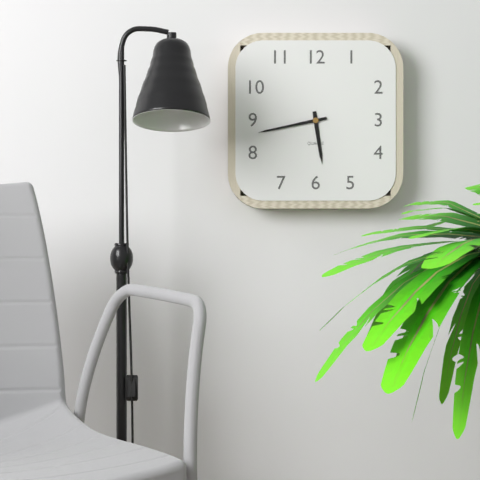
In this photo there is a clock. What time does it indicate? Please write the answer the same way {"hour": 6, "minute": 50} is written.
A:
{"hour": 5, "minute": 43}
